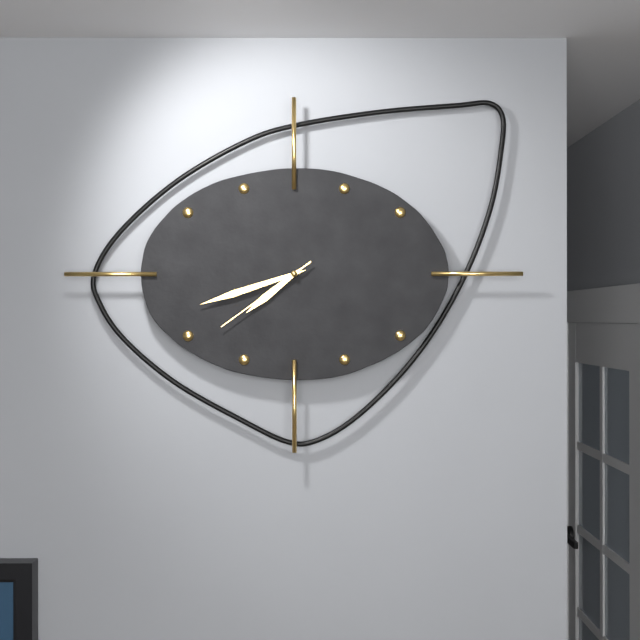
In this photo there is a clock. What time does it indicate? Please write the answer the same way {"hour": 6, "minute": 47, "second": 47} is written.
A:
{"hour": 7, "minute": 42, "second": 39}
